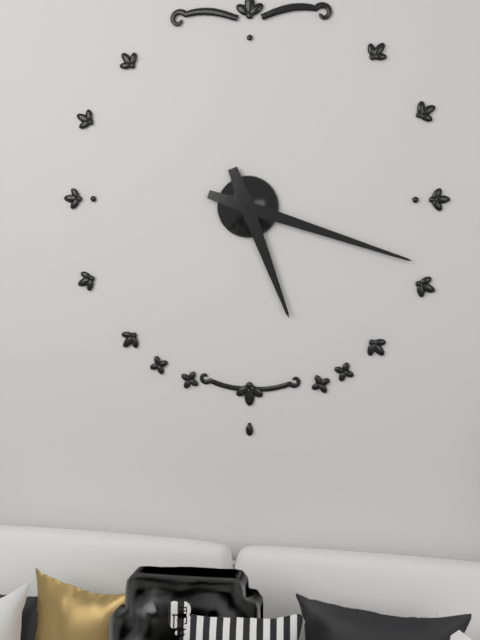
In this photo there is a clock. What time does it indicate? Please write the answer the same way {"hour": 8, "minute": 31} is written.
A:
{"hour": 5, "minute": 18}
